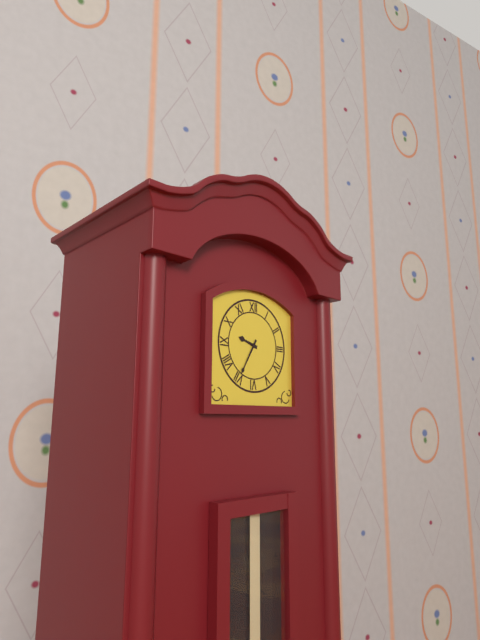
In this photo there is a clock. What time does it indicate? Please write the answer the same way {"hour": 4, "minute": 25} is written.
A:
{"hour": 9, "minute": 35}
